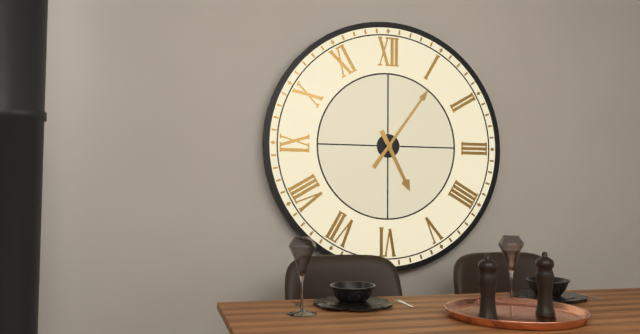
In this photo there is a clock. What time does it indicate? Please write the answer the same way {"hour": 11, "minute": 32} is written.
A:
{"hour": 5, "minute": 6}
